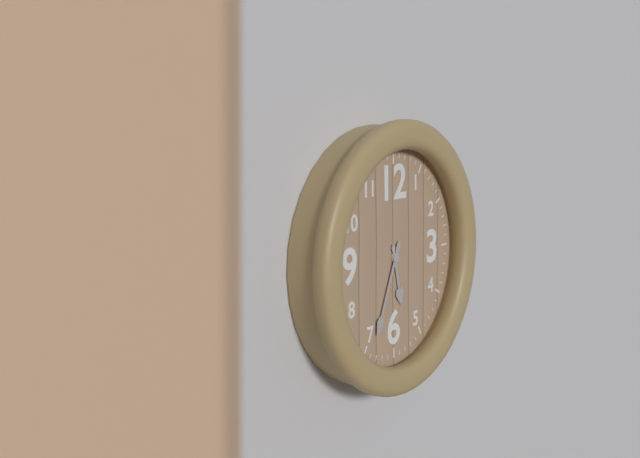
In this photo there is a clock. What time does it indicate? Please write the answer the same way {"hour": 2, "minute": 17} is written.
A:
{"hour": 5, "minute": 34}
